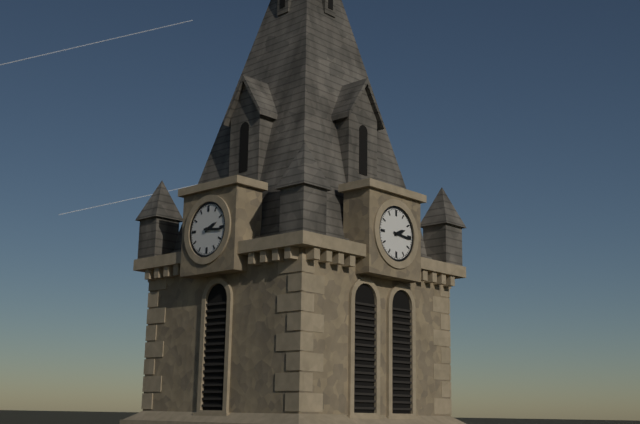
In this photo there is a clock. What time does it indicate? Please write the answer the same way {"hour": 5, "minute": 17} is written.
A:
{"hour": 2, "minute": 16}
